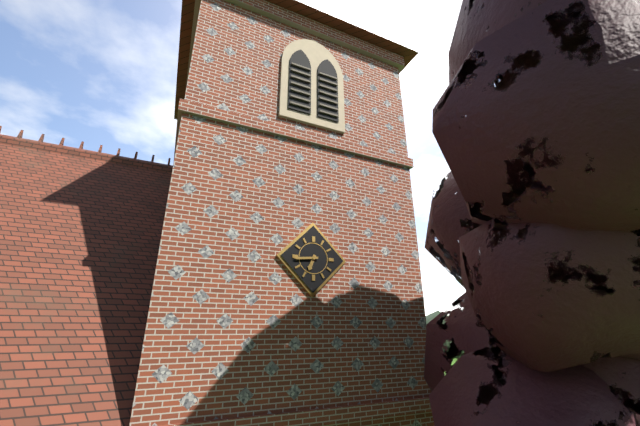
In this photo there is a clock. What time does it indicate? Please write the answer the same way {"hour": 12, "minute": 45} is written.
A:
{"hour": 6, "minute": 44}
